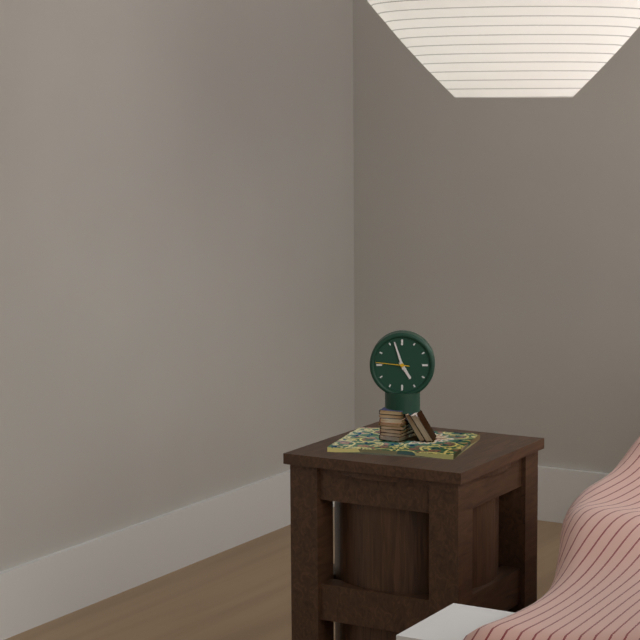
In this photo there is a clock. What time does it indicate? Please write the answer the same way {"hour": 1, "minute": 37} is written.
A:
{"hour": 4, "minute": 57}
